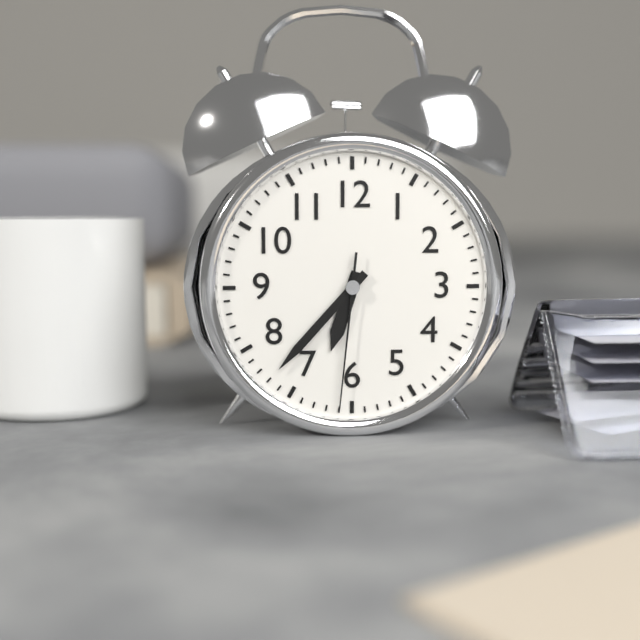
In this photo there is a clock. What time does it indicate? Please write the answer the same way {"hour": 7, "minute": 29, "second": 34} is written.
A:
{"hour": 6, "minute": 37, "second": 31}
